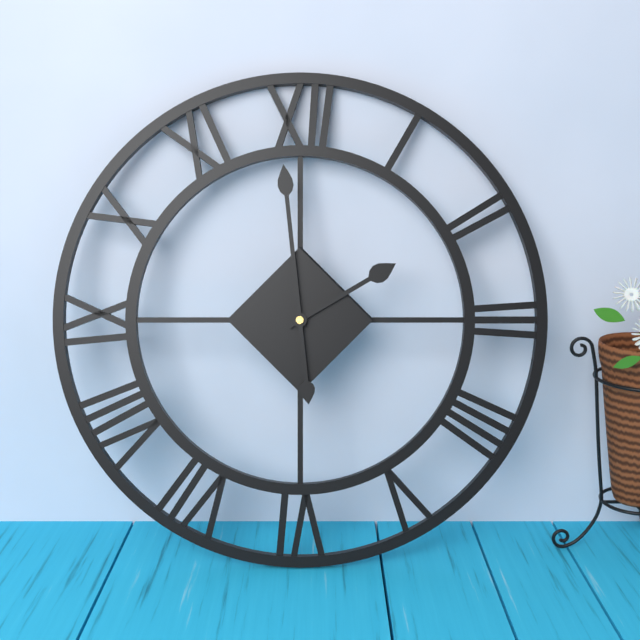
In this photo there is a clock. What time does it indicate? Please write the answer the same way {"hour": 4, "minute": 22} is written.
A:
{"hour": 1, "minute": 59}
